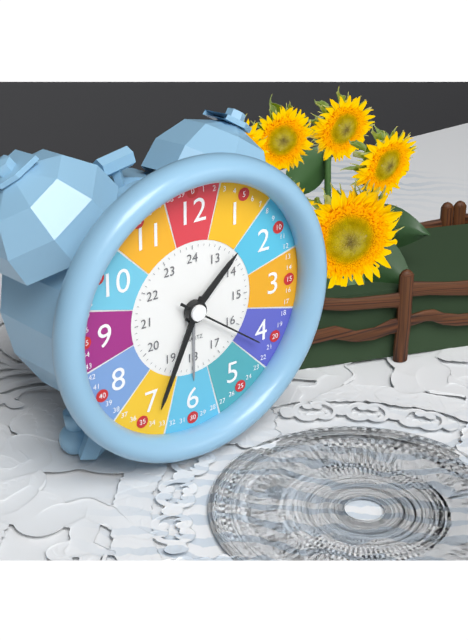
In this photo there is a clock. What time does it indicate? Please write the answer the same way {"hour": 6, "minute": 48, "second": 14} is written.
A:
{"hour": 1, "minute": 34, "second": 21}
